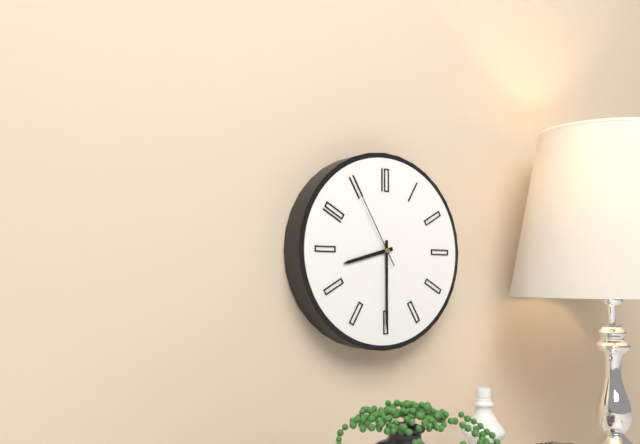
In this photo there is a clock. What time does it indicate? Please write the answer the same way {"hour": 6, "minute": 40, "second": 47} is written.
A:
{"hour": 8, "minute": 30, "second": 55}
